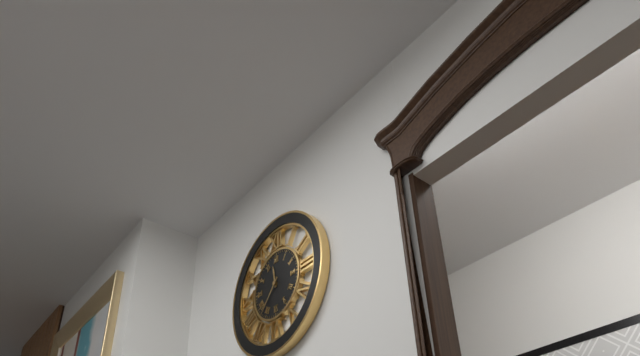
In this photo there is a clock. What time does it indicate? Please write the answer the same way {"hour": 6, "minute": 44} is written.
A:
{"hour": 11, "minute": 37}
